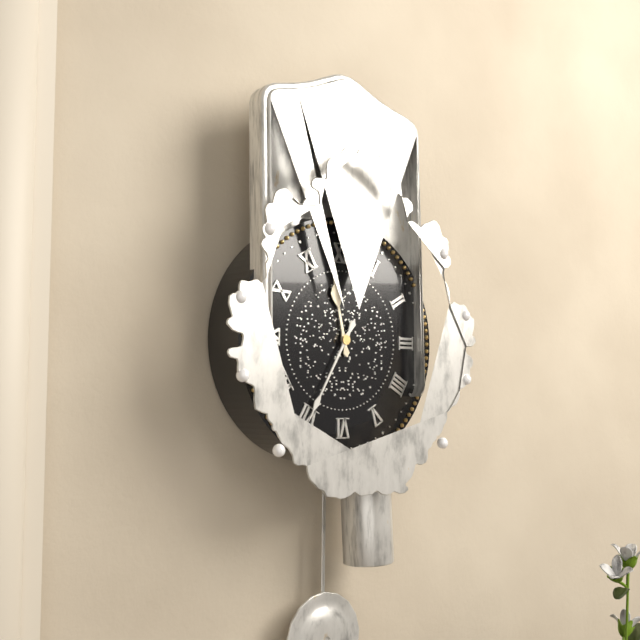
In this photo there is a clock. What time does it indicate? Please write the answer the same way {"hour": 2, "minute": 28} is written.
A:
{"hour": 11, "minute": 35}
